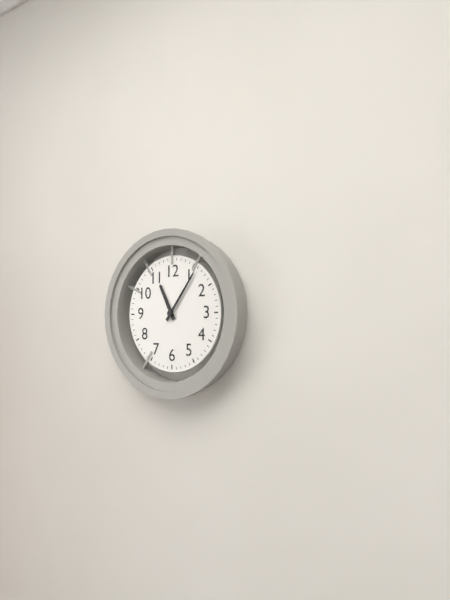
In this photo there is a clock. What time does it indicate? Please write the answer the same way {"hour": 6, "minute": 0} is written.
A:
{"hour": 11, "minute": 6}
